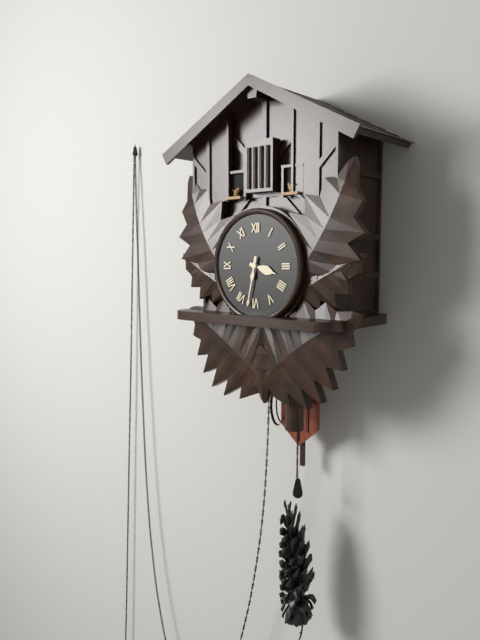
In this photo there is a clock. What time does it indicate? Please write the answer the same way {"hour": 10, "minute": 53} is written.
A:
{"hour": 3, "minute": 32}
